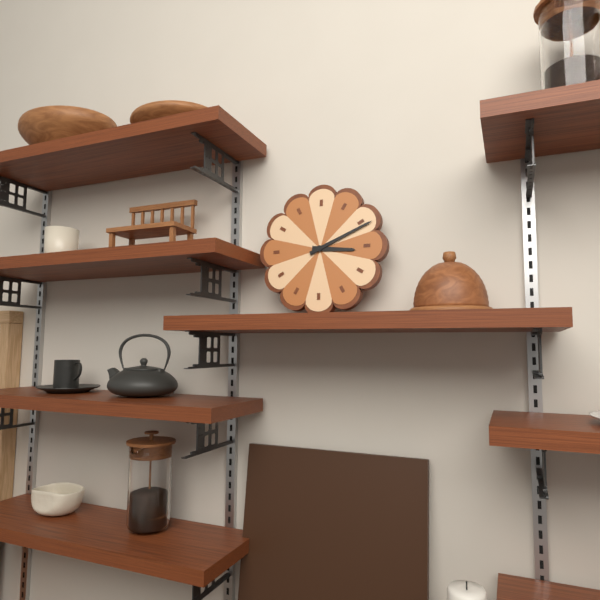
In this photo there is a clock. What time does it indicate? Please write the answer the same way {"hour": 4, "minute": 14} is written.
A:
{"hour": 3, "minute": 11}
